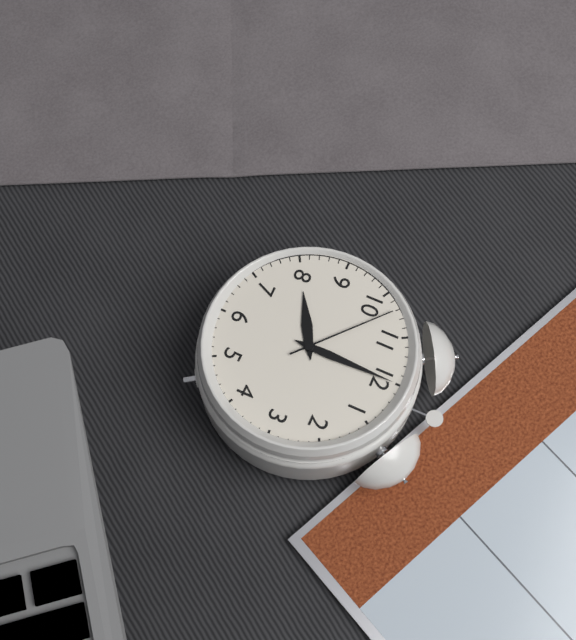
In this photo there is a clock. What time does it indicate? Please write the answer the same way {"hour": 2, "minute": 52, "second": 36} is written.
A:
{"hour": 8, "minute": 0, "second": 52}
